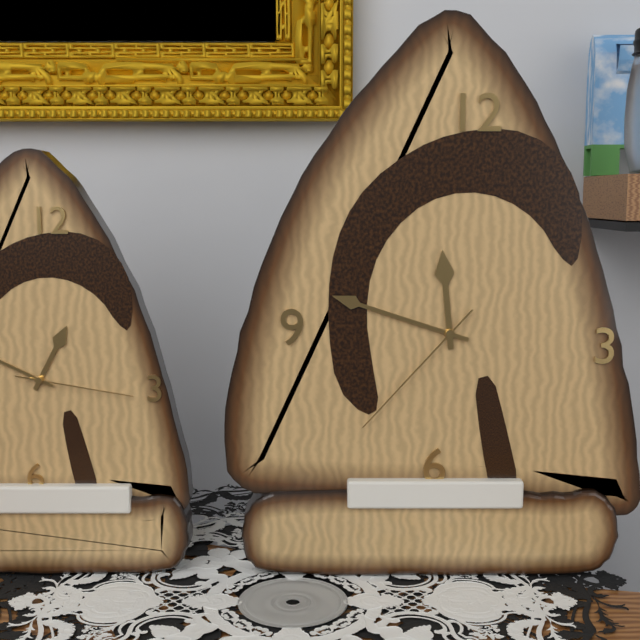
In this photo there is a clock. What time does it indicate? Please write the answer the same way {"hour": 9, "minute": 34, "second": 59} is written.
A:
{"hour": 11, "minute": 48, "second": 37}
